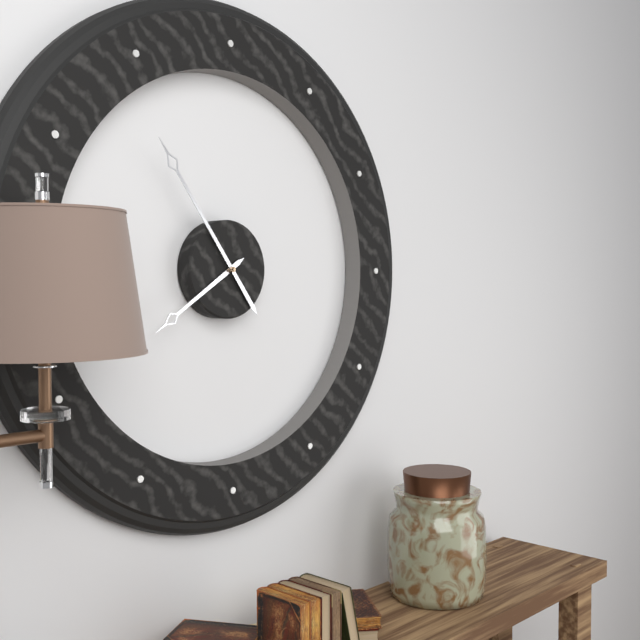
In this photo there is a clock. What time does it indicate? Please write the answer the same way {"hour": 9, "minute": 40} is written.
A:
{"hour": 7, "minute": 54}
